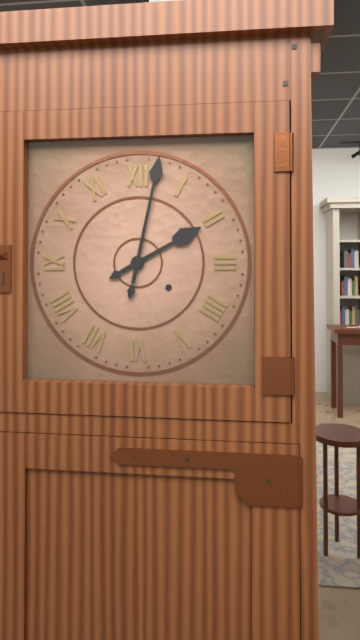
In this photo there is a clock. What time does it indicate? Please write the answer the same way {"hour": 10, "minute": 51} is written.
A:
{"hour": 2, "minute": 2}
